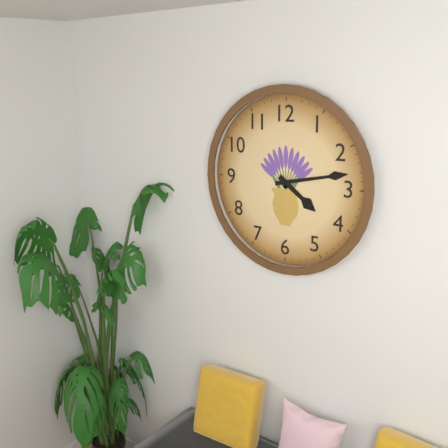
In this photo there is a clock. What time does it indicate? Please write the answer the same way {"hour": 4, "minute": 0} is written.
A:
{"hour": 4, "minute": 13}
